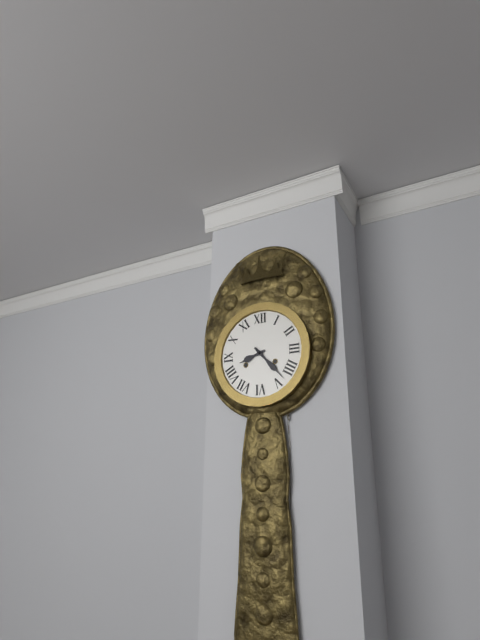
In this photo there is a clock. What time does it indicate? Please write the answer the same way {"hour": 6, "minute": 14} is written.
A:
{"hour": 8, "minute": 23}
